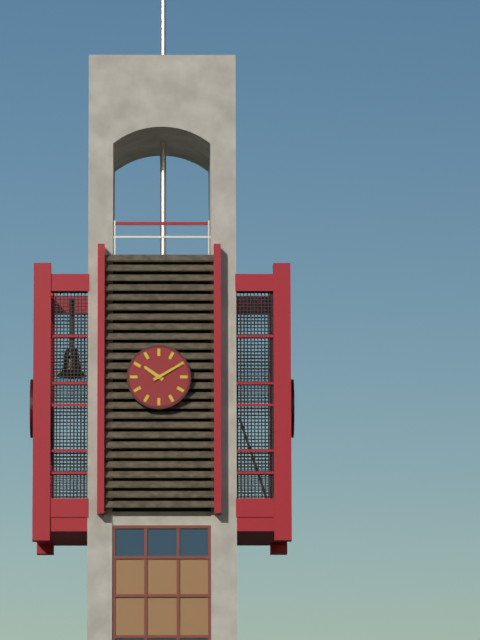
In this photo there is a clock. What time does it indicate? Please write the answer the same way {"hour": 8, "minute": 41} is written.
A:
{"hour": 10, "minute": 10}
